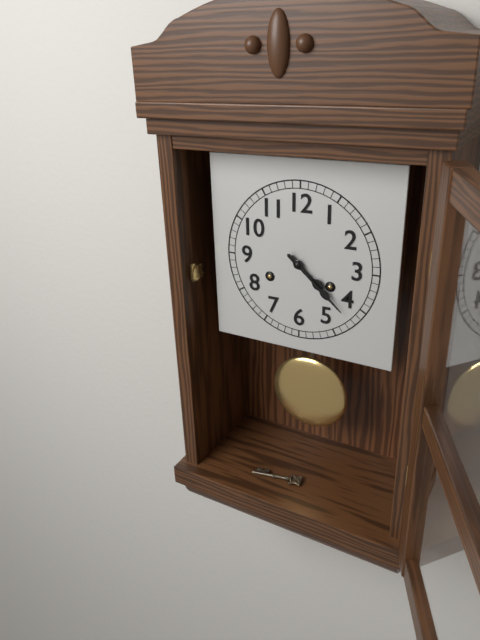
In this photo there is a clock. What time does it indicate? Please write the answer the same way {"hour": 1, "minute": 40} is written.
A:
{"hour": 4, "minute": 22}
